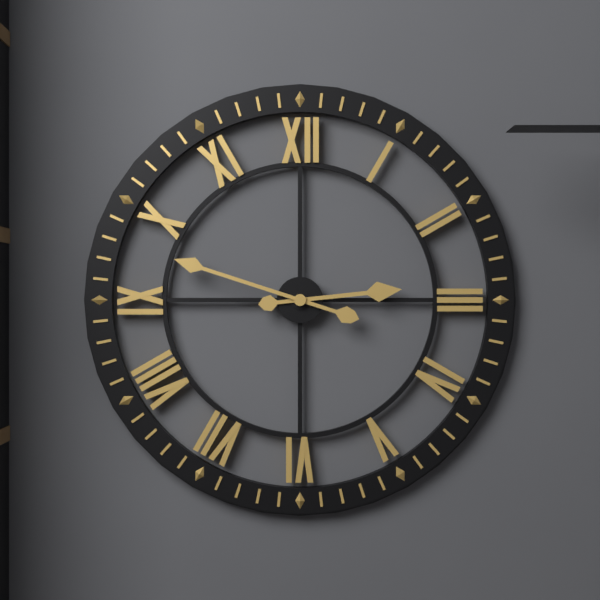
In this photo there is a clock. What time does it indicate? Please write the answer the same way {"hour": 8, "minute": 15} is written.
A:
{"hour": 2, "minute": 48}
